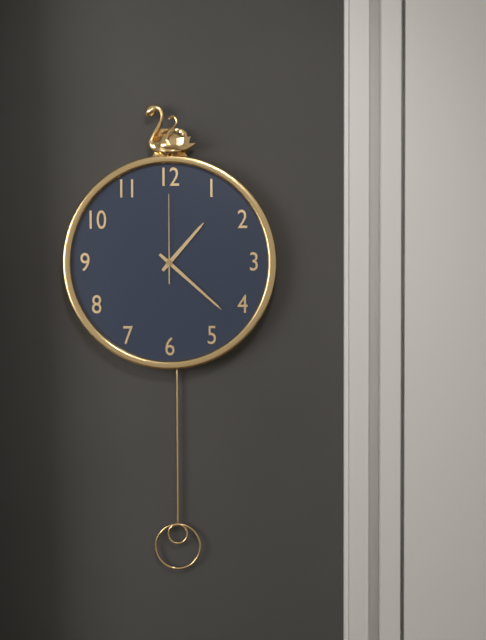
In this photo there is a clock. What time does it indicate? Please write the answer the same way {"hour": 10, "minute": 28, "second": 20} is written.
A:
{"hour": 1, "minute": 22, "second": 0}
